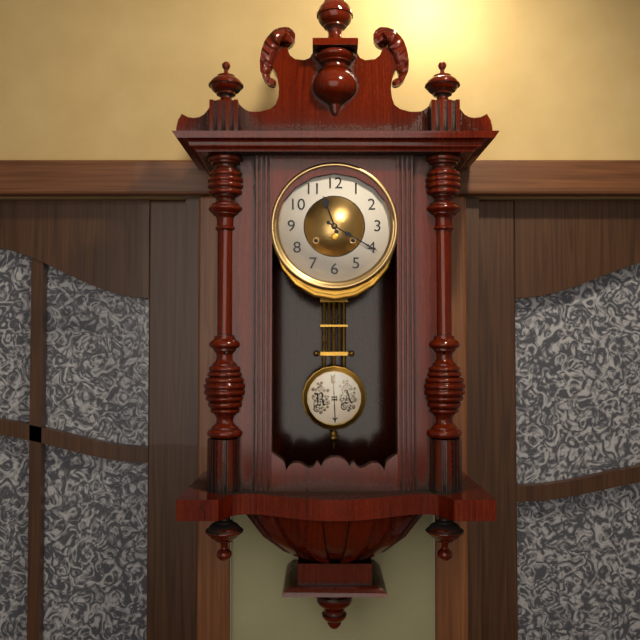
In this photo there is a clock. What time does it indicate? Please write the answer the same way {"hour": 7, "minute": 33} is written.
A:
{"hour": 11, "minute": 20}
